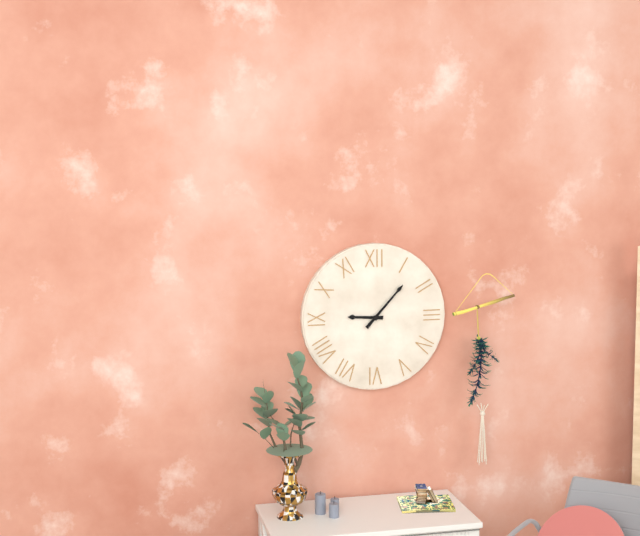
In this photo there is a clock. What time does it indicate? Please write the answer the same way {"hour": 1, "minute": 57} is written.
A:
{"hour": 9, "minute": 7}
